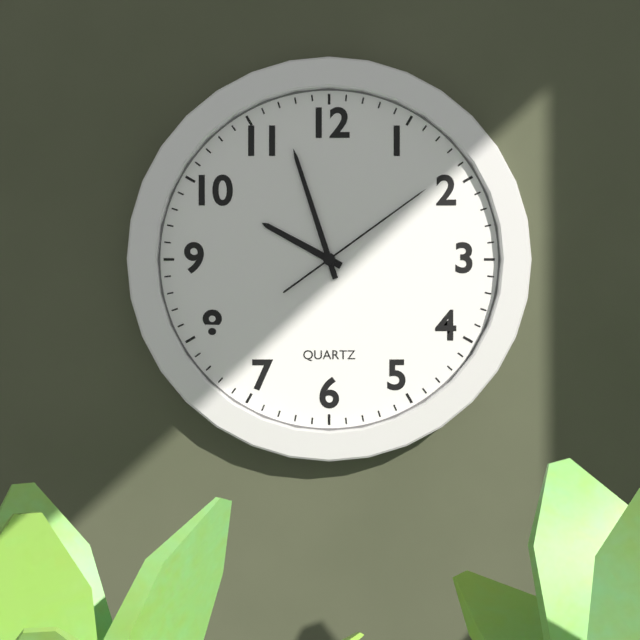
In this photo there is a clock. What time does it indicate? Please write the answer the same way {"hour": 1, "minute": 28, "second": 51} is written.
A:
{"hour": 9, "minute": 57, "second": 9}
